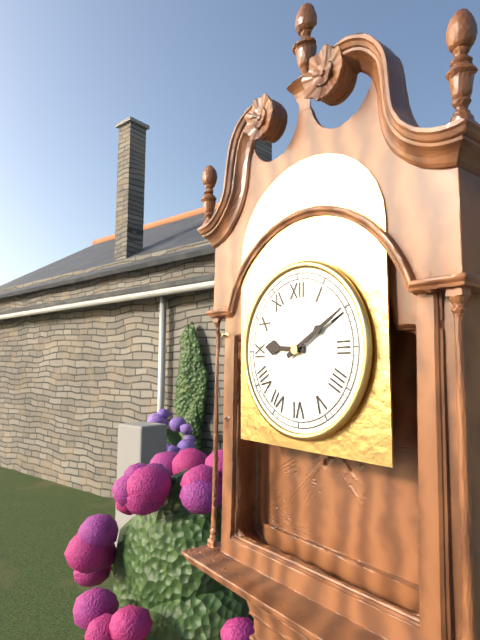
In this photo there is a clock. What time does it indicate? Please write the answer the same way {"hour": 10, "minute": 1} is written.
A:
{"hour": 9, "minute": 10}
